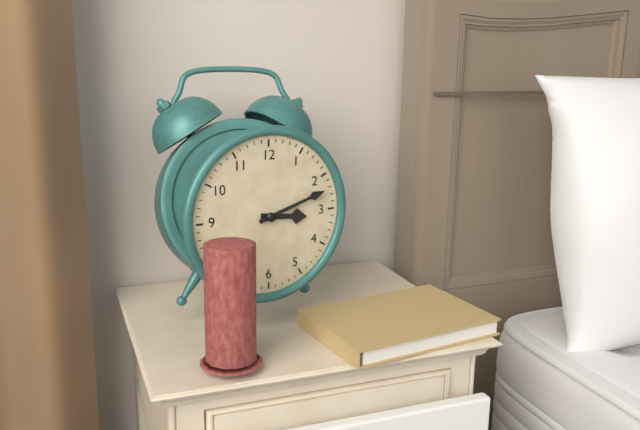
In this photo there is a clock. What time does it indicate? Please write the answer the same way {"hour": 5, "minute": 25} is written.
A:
{"hour": 3, "minute": 12}
